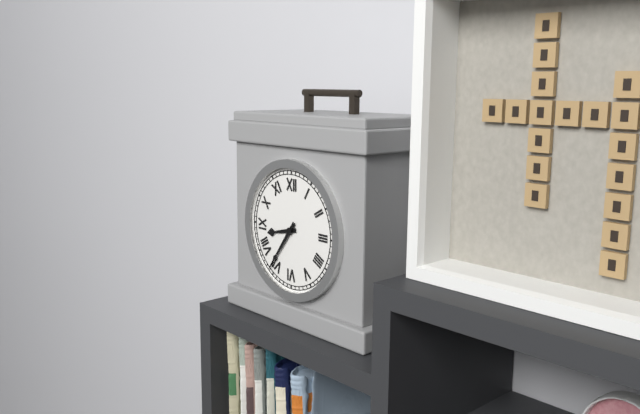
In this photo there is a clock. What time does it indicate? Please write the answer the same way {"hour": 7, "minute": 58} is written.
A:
{"hour": 8, "minute": 36}
